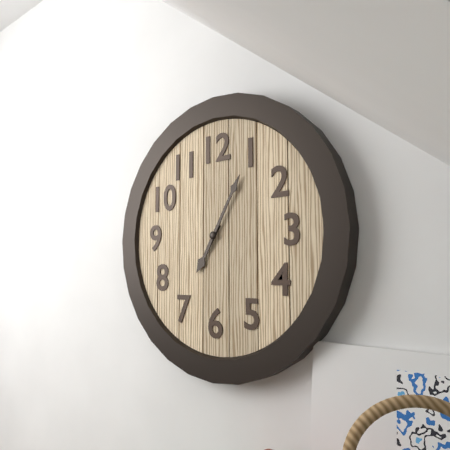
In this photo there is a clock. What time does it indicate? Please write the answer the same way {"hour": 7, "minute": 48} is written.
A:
{"hour": 7, "minute": 5}
